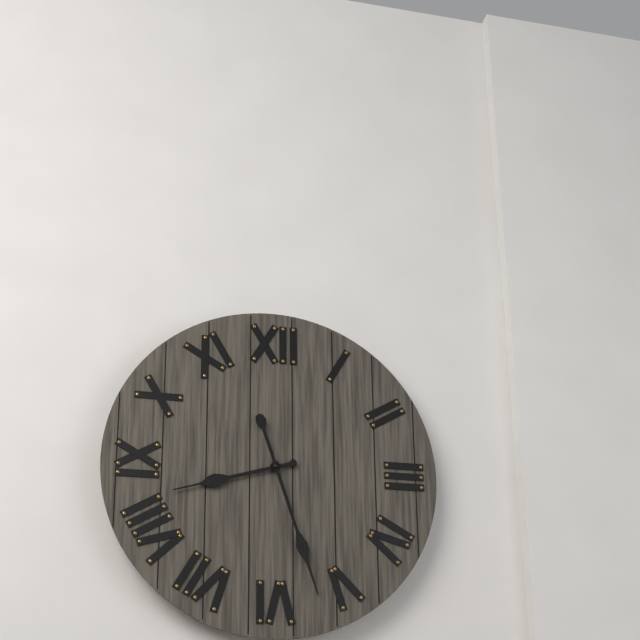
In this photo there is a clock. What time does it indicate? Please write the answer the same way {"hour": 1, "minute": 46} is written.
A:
{"hour": 8, "minute": 27}
